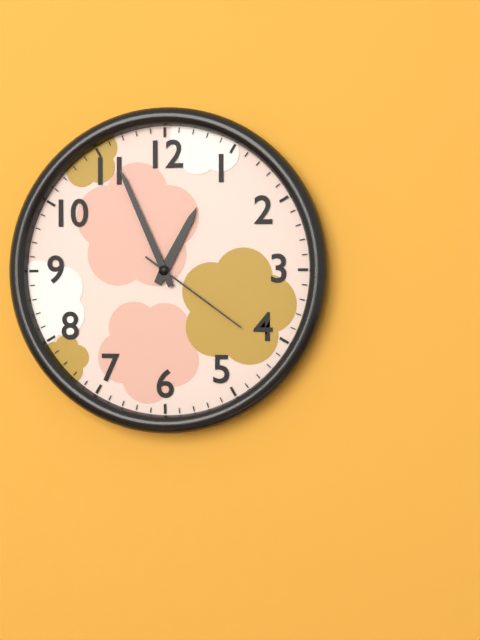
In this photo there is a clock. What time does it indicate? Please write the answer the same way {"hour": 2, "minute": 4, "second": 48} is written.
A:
{"hour": 12, "minute": 56, "second": 21}
